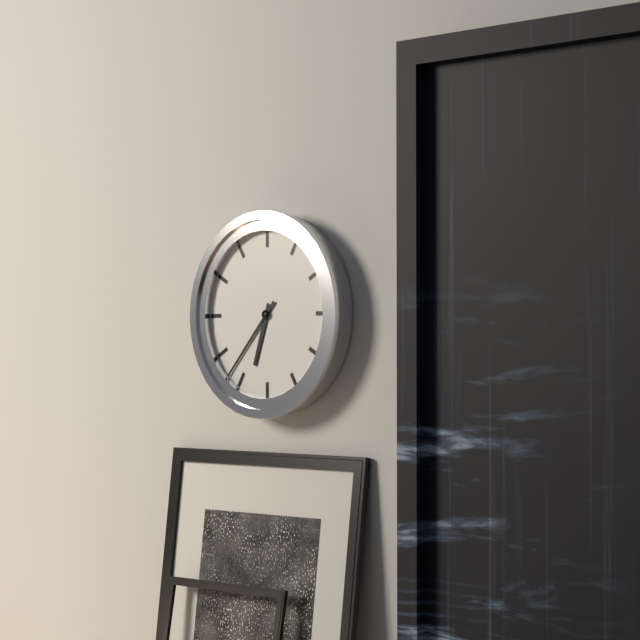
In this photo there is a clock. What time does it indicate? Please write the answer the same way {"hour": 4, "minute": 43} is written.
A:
{"hour": 6, "minute": 37}
